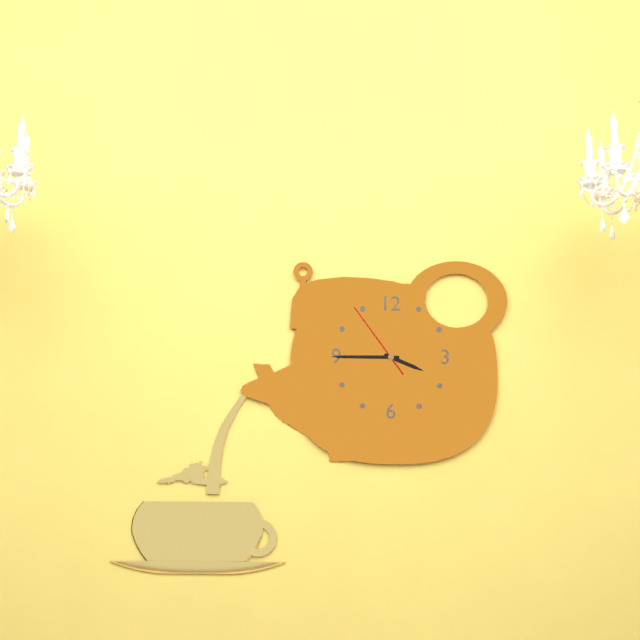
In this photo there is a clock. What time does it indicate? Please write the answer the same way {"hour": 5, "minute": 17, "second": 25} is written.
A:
{"hour": 3, "minute": 45, "second": 54}
